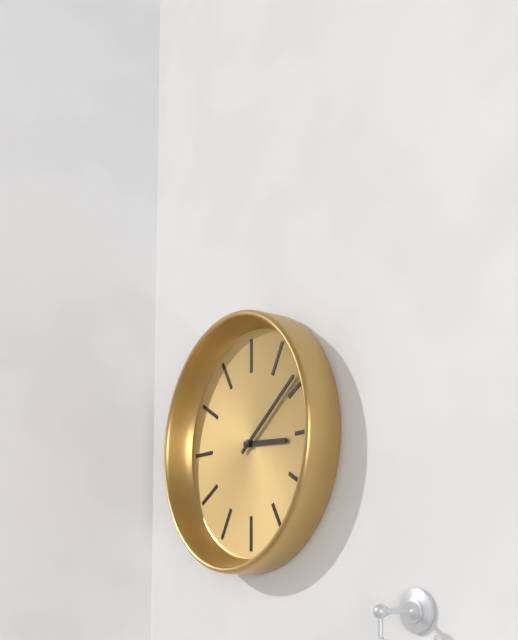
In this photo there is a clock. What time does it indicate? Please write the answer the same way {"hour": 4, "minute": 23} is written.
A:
{"hour": 3, "minute": 9}
